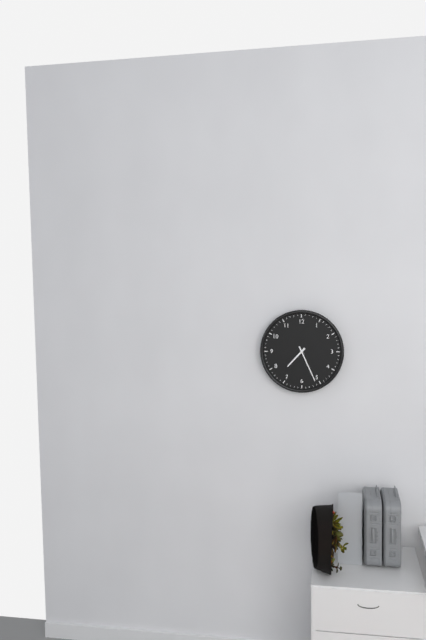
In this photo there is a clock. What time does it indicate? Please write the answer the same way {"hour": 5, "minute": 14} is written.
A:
{"hour": 7, "minute": 26}
